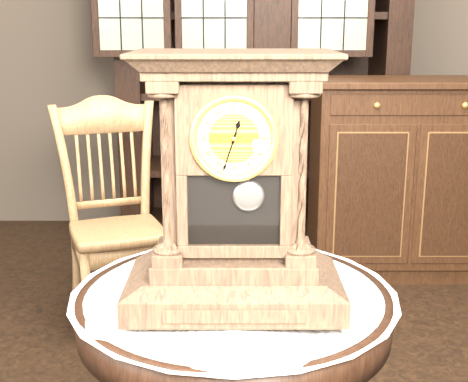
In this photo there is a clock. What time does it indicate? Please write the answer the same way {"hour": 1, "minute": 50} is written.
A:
{"hour": 12, "minute": 33}
